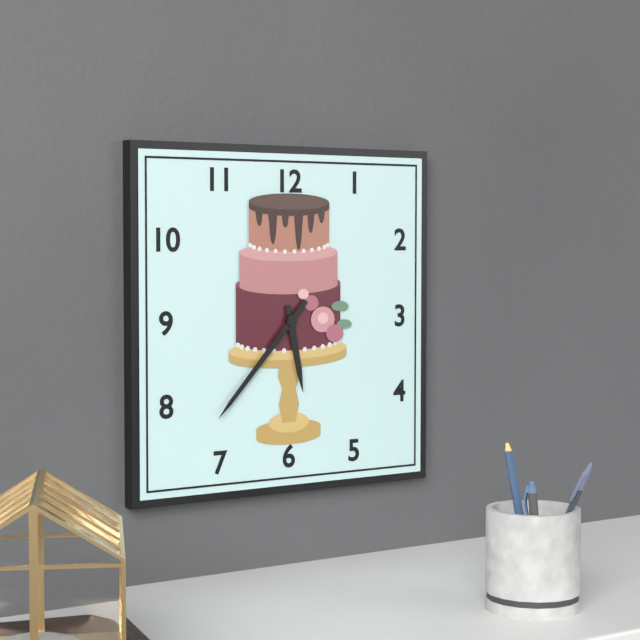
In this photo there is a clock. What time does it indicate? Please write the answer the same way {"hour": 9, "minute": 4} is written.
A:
{"hour": 5, "minute": 37}
